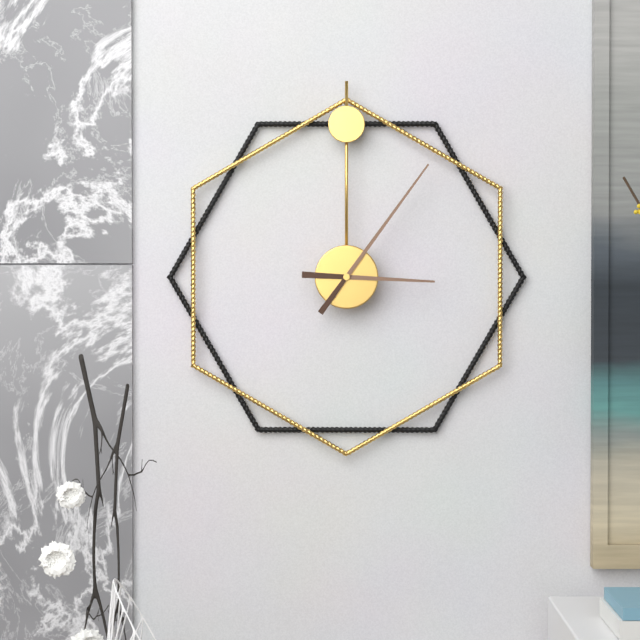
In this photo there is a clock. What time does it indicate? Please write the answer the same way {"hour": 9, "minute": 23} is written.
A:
{"hour": 3, "minute": 6}
